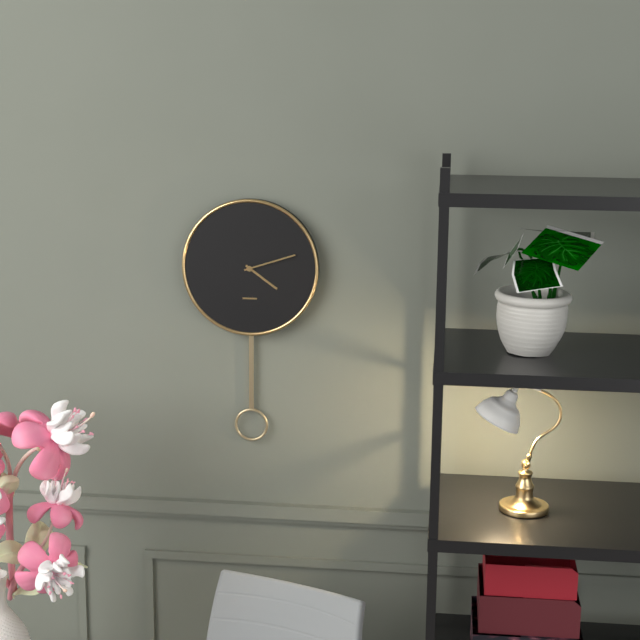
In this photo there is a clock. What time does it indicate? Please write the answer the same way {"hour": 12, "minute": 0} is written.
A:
{"hour": 4, "minute": 12}
